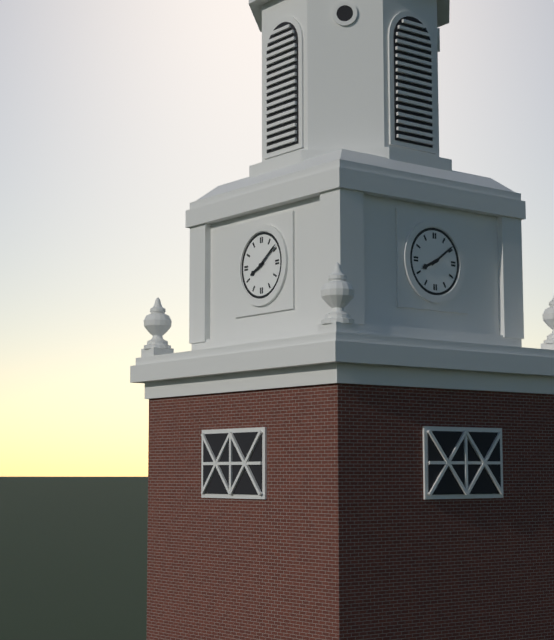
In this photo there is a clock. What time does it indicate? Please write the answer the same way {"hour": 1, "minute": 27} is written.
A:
{"hour": 8, "minute": 9}
